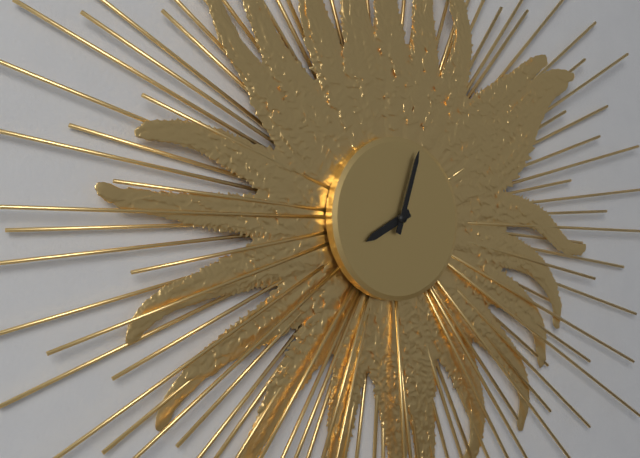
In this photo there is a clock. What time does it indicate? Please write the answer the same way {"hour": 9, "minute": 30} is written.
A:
{"hour": 8, "minute": 3}
